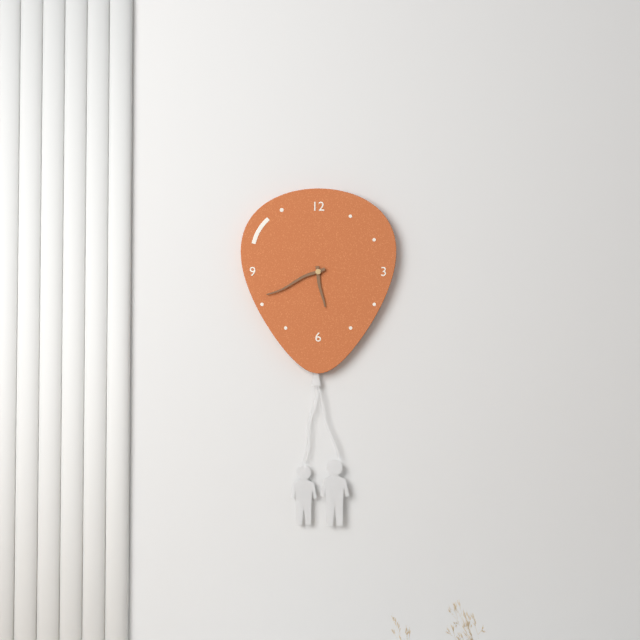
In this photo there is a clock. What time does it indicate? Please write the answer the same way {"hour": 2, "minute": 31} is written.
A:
{"hour": 5, "minute": 41}
